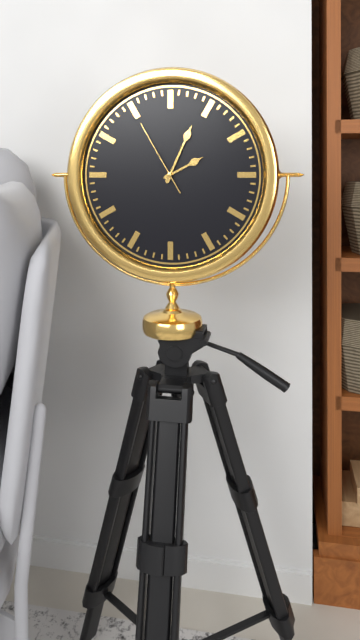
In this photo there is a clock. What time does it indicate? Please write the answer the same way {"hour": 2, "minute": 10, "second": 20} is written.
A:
{"hour": 2, "minute": 4, "second": 55}
